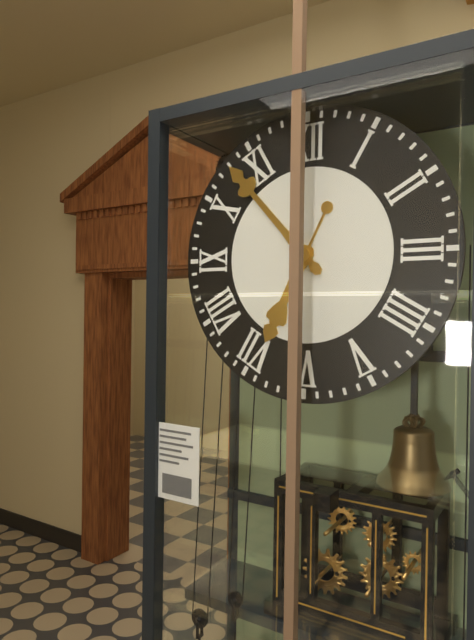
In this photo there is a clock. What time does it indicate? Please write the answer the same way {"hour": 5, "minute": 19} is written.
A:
{"hour": 6, "minute": 53}
